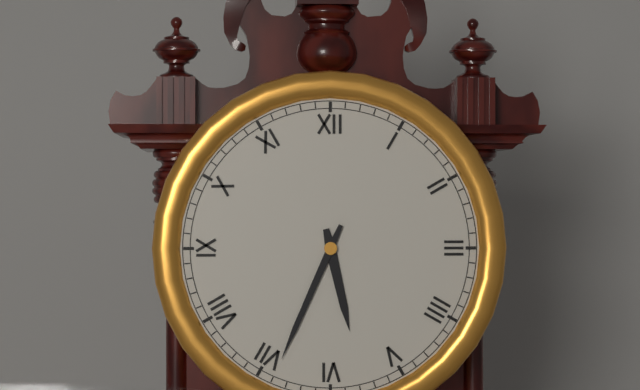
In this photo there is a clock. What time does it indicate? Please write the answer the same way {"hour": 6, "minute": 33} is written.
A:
{"hour": 5, "minute": 34}
